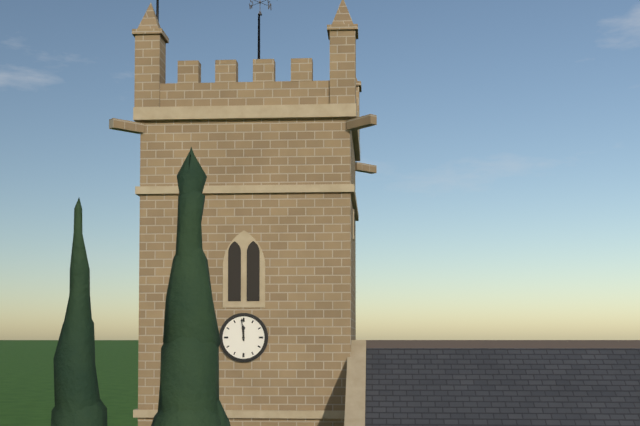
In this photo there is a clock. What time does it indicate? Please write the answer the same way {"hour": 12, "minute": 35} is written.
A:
{"hour": 11, "minute": 59}
